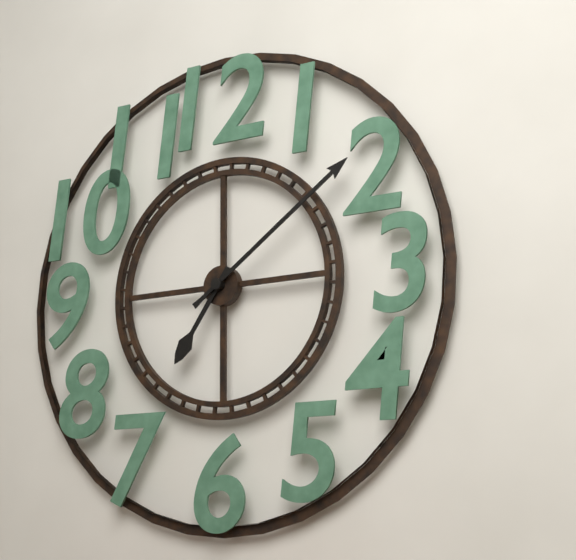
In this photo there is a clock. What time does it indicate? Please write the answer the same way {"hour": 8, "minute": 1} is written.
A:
{"hour": 7, "minute": 9}
